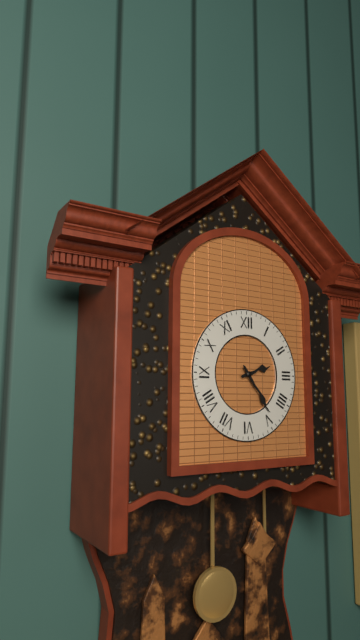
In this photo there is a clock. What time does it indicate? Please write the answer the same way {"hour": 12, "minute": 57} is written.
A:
{"hour": 2, "minute": 24}
